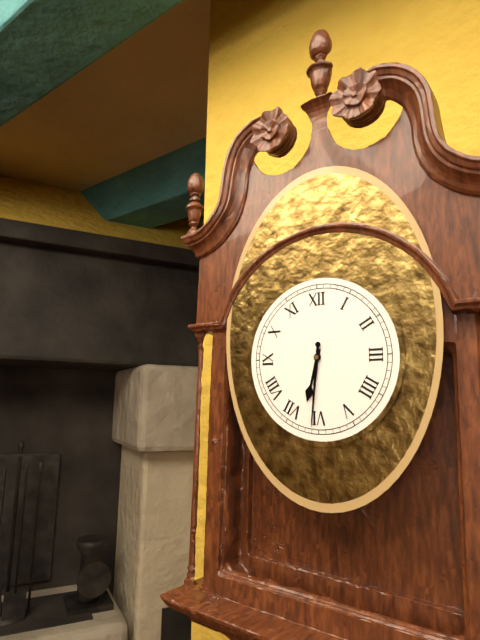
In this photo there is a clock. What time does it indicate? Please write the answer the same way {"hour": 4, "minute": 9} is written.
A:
{"hour": 6, "minute": 31}
